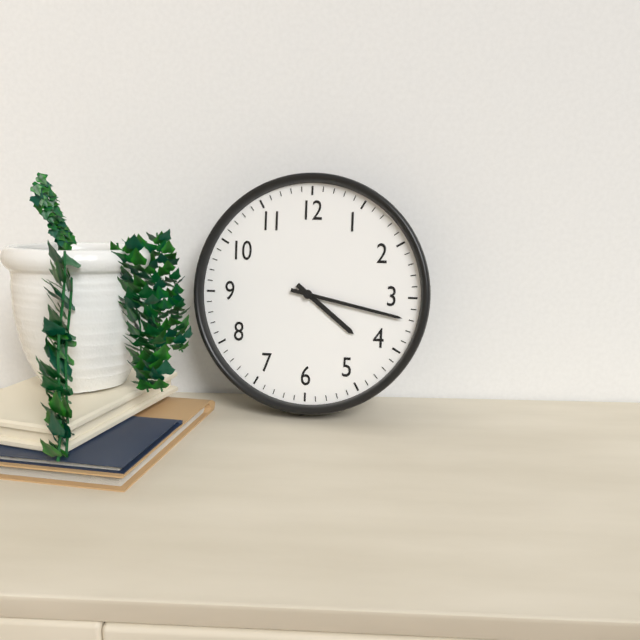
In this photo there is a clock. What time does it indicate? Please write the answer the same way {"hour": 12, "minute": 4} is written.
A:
{"hour": 4, "minute": 17}
